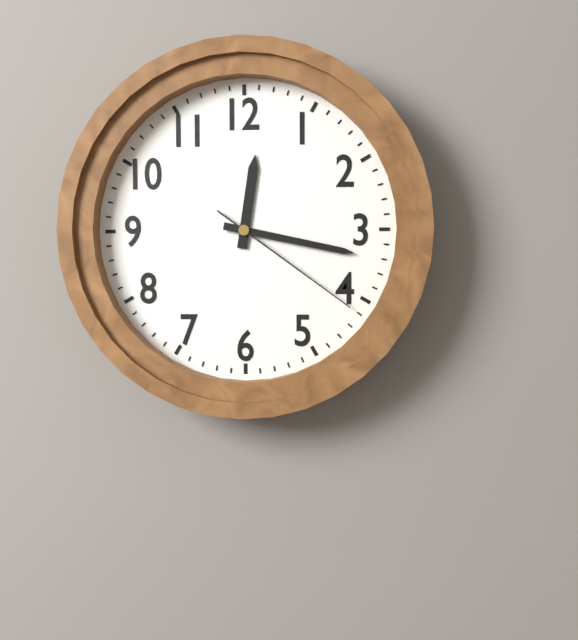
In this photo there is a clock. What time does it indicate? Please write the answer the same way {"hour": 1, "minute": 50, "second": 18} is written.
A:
{"hour": 12, "minute": 17, "second": 21}
